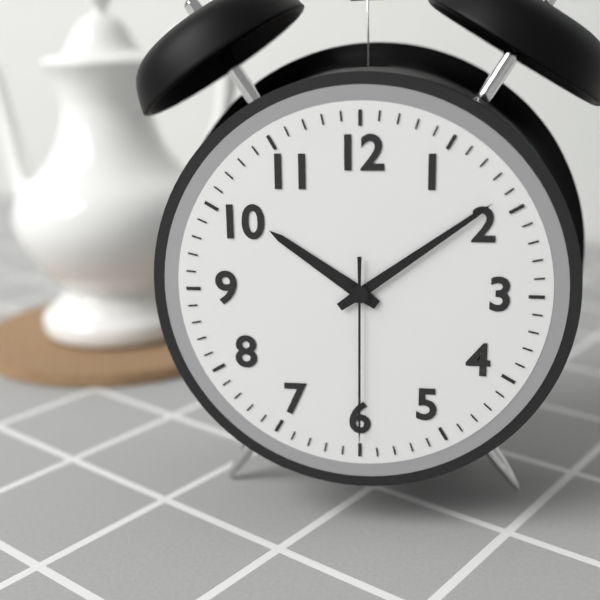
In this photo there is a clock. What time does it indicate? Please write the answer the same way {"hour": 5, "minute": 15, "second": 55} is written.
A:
{"hour": 10, "minute": 9, "second": 30}
